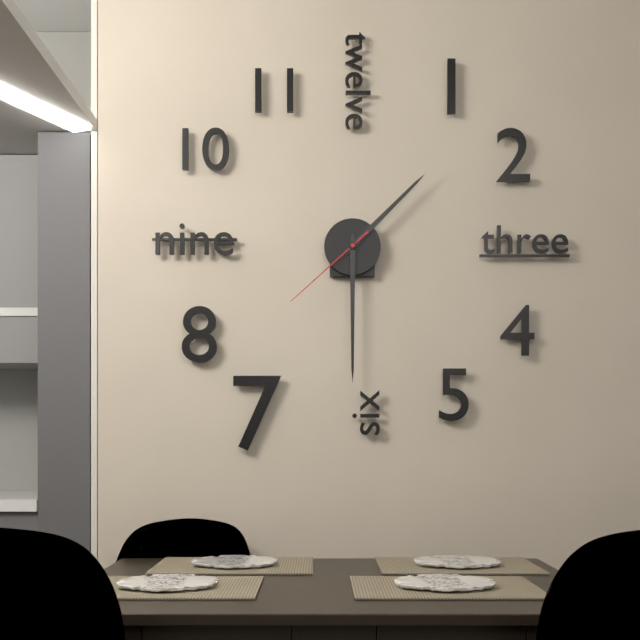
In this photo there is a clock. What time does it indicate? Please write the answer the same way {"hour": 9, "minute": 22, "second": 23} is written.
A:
{"hour": 1, "minute": 30, "second": 38}
